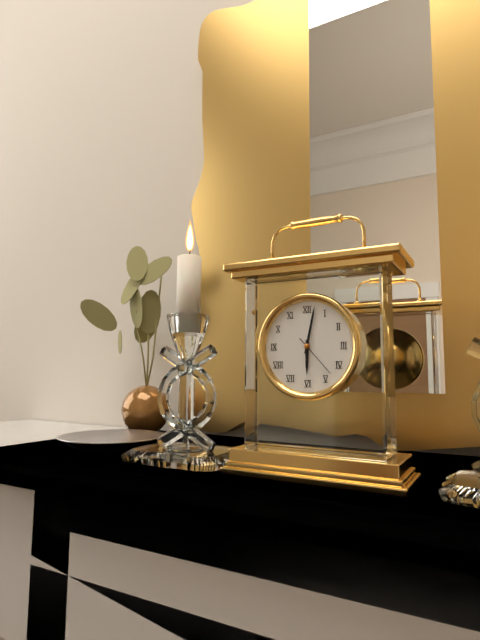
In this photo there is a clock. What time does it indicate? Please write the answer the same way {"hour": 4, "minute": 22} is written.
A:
{"hour": 6, "minute": 2}
